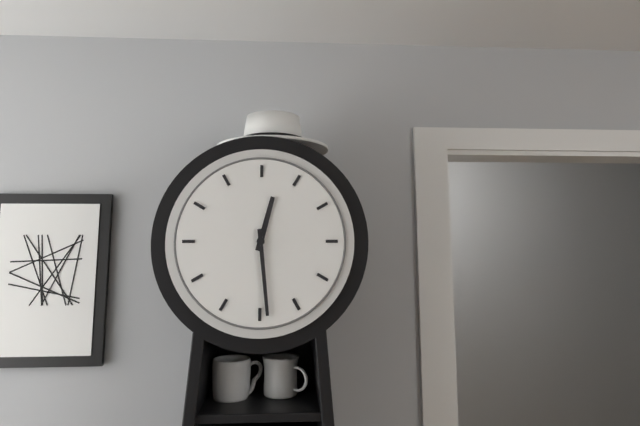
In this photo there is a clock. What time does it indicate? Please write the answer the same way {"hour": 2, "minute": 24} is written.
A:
{"hour": 12, "minute": 29}
